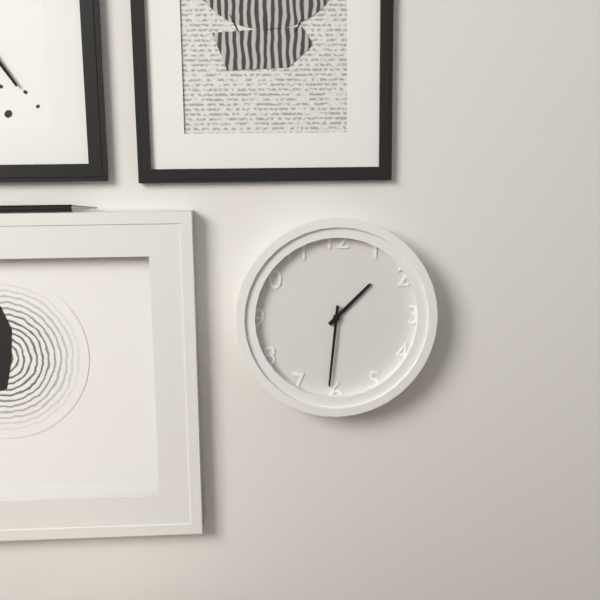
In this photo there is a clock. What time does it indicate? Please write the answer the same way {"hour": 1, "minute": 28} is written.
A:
{"hour": 1, "minute": 31}
